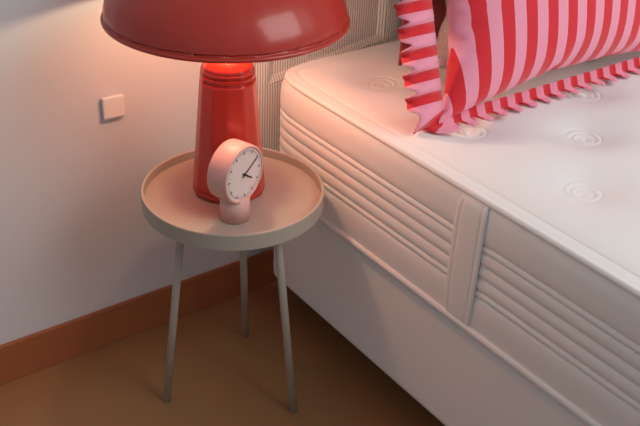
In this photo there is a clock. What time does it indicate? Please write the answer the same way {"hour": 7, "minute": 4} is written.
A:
{"hour": 4, "minute": 10}
